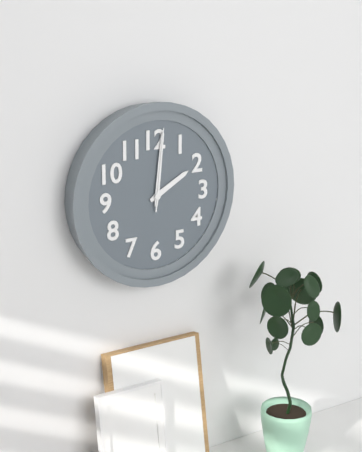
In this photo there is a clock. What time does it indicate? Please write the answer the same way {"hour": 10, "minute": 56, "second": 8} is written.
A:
{"hour": 2, "minute": 1, "second": 1}
